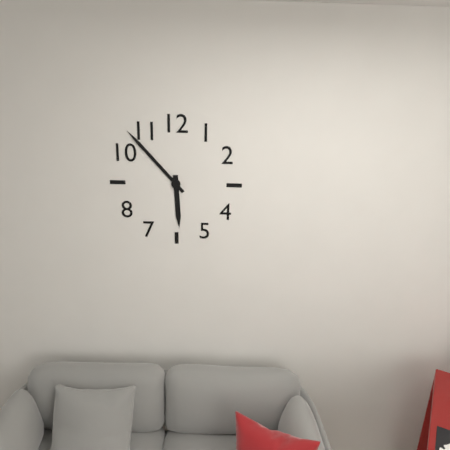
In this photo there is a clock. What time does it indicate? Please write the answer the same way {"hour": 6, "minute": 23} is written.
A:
{"hour": 5, "minute": 53}
